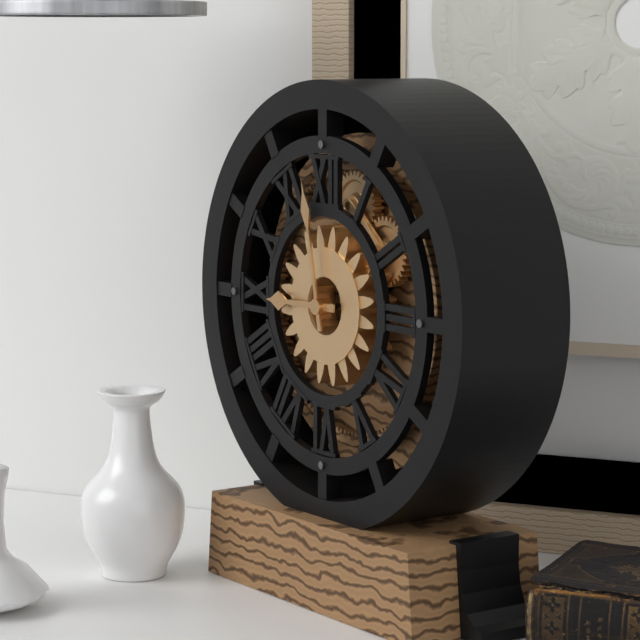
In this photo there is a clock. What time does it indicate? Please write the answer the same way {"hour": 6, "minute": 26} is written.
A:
{"hour": 8, "minute": 58}
